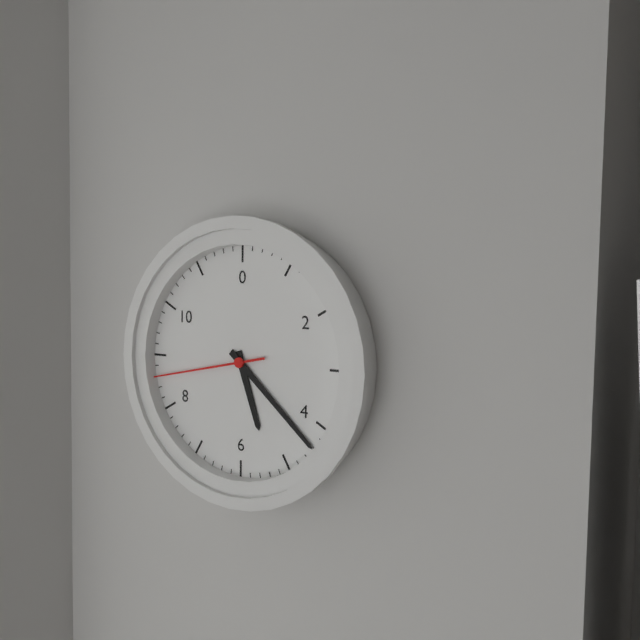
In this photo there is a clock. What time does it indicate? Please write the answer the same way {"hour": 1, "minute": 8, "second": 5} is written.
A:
{"hour": 5, "minute": 22, "second": 43}
